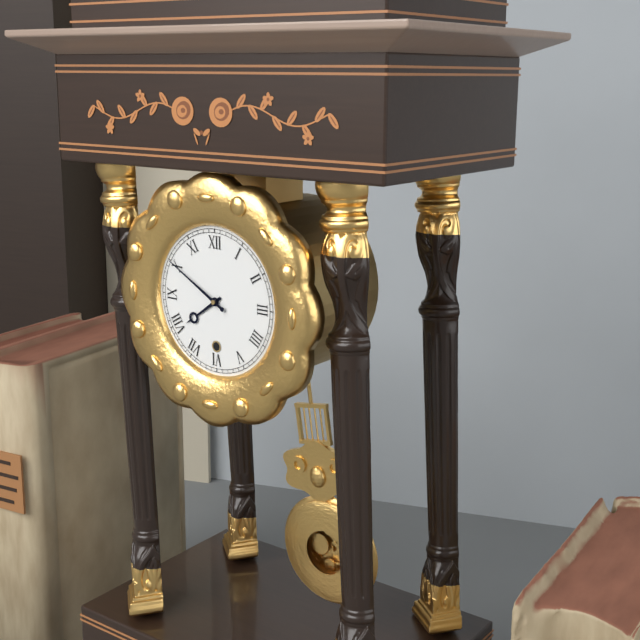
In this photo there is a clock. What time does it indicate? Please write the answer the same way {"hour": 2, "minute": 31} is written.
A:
{"hour": 7, "minute": 50}
